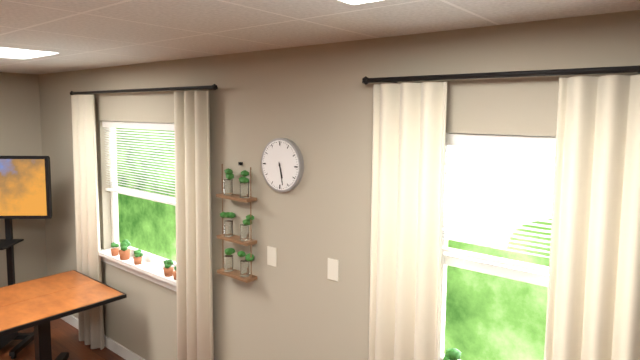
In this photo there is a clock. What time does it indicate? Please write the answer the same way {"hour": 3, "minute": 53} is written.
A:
{"hour": 5, "minute": 28}
